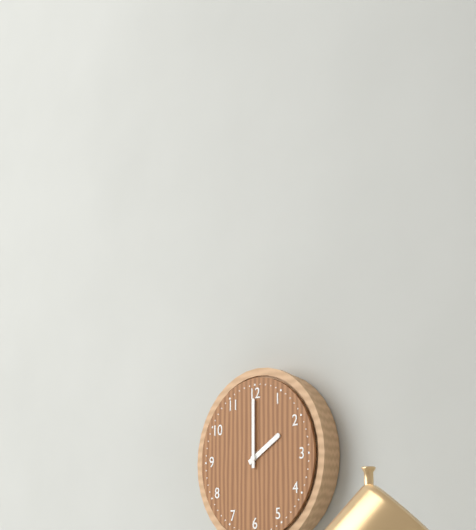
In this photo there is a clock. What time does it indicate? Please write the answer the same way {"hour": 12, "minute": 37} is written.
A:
{"hour": 2, "minute": 0}
